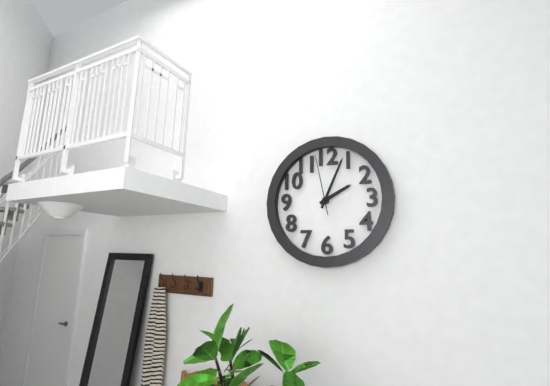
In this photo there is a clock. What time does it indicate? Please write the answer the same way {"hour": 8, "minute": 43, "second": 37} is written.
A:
{"hour": 2, "minute": 4, "second": 58}
